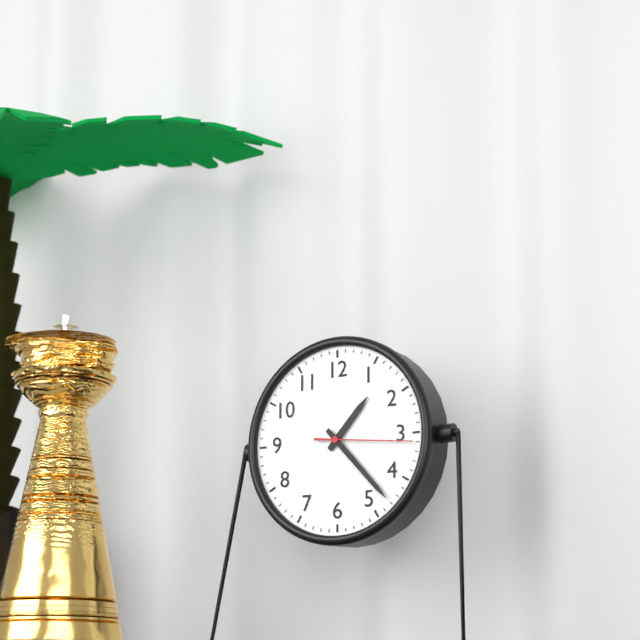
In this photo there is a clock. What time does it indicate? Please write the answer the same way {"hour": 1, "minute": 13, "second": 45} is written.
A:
{"hour": 1, "minute": 23, "second": 16}
